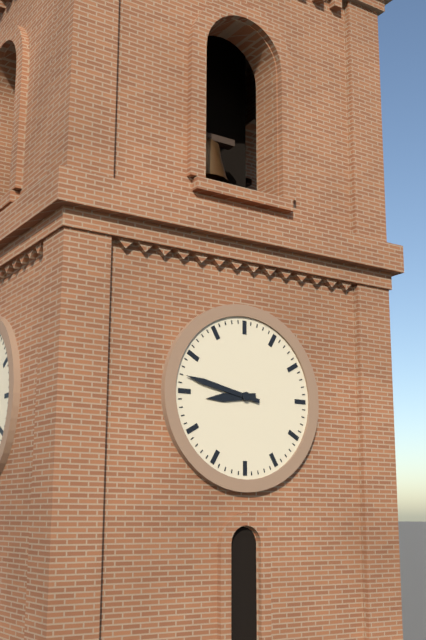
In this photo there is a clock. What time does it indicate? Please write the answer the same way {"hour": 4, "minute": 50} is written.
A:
{"hour": 8, "minute": 47}
